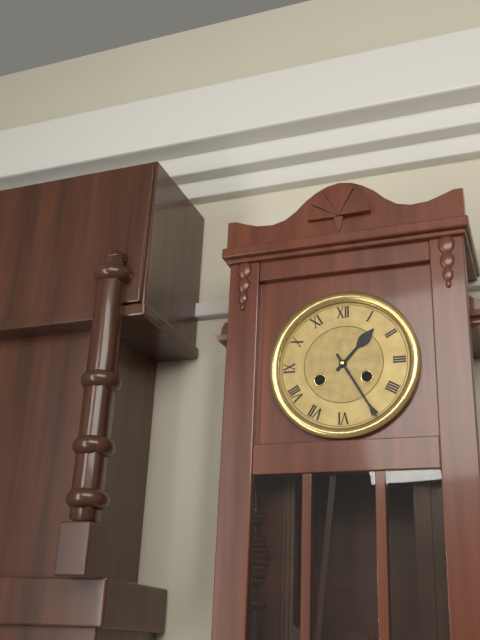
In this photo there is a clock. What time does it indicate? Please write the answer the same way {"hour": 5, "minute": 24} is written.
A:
{"hour": 1, "minute": 25}
